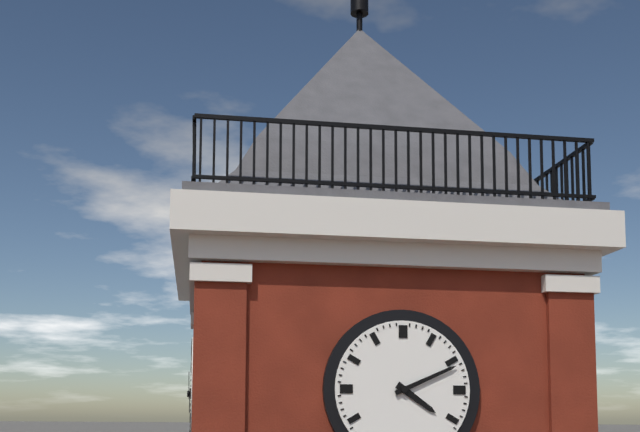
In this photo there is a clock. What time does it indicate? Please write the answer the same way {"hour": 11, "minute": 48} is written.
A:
{"hour": 4, "minute": 11}
